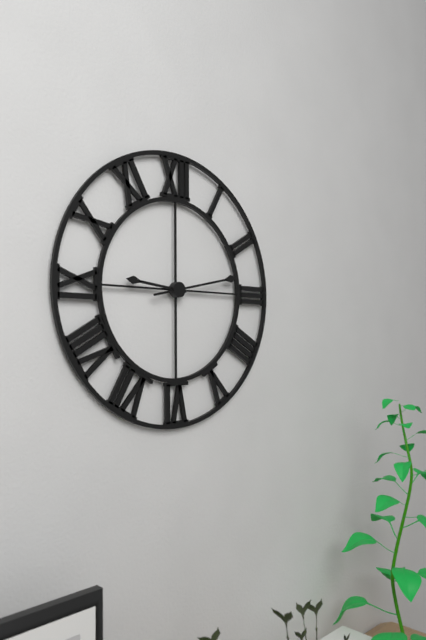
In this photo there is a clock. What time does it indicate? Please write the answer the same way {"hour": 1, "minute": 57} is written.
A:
{"hour": 9, "minute": 13}
